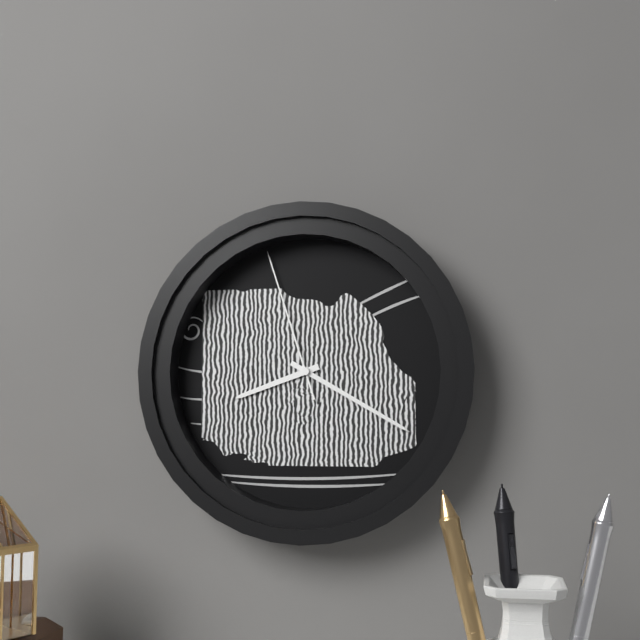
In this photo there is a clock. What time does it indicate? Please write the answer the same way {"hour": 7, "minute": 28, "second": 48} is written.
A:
{"hour": 8, "minute": 20, "second": 57}
